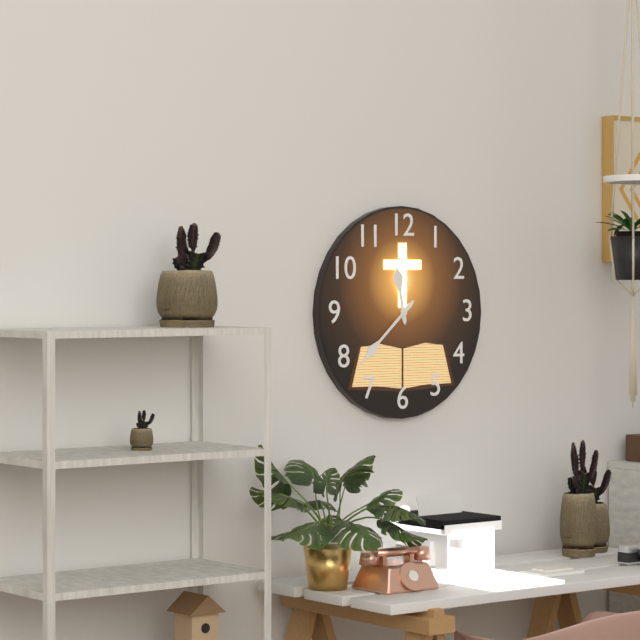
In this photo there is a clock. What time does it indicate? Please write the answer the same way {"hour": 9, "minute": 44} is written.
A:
{"hour": 11, "minute": 38}
